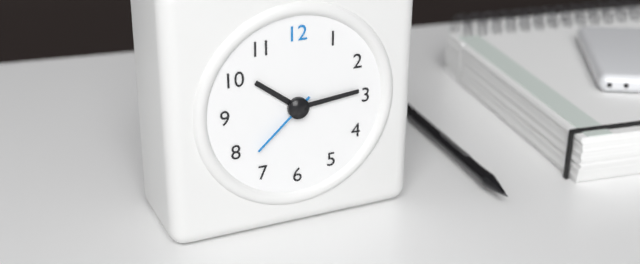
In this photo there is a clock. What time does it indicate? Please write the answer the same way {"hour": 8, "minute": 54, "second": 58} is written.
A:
{"hour": 10, "minute": 14, "second": 38}
